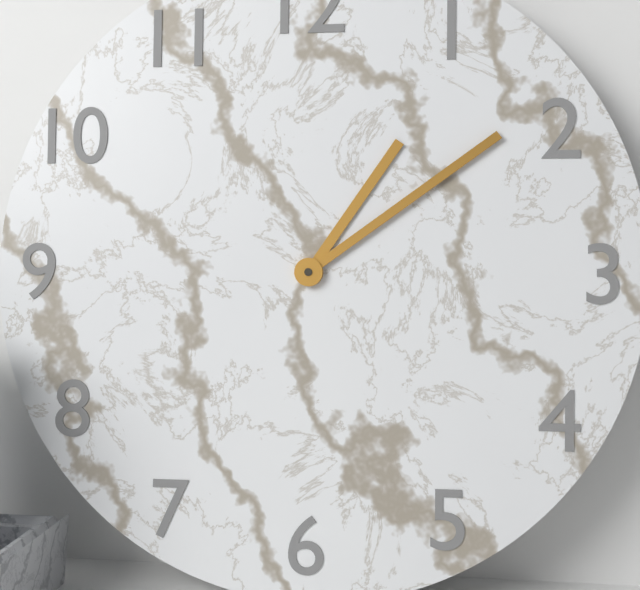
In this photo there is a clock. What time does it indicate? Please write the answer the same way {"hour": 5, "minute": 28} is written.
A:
{"hour": 1, "minute": 9}
